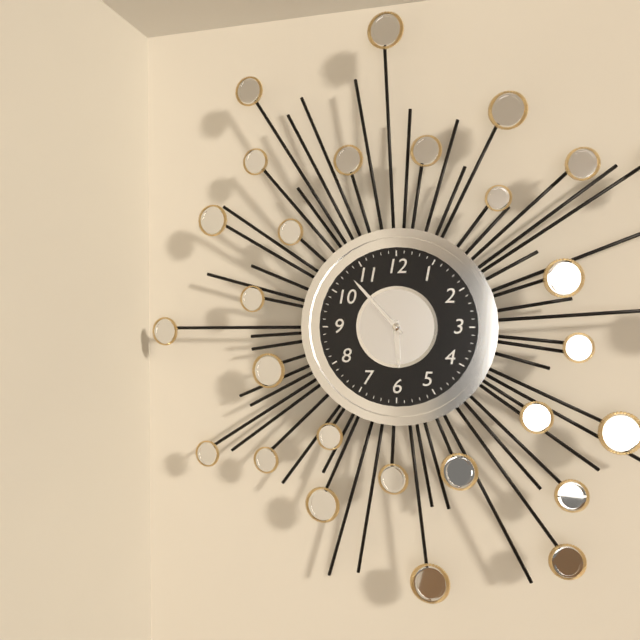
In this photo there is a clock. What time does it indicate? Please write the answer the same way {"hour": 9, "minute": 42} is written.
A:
{"hour": 5, "minute": 53}
